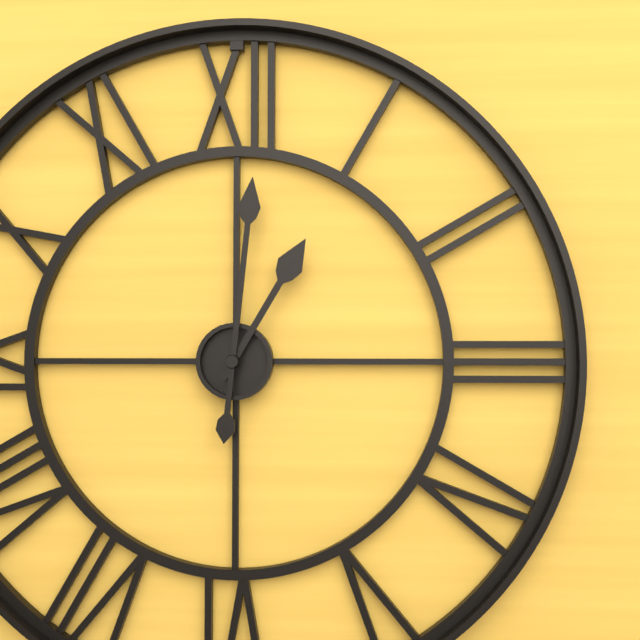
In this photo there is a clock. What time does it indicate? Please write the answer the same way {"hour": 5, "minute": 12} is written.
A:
{"hour": 1, "minute": 1}
